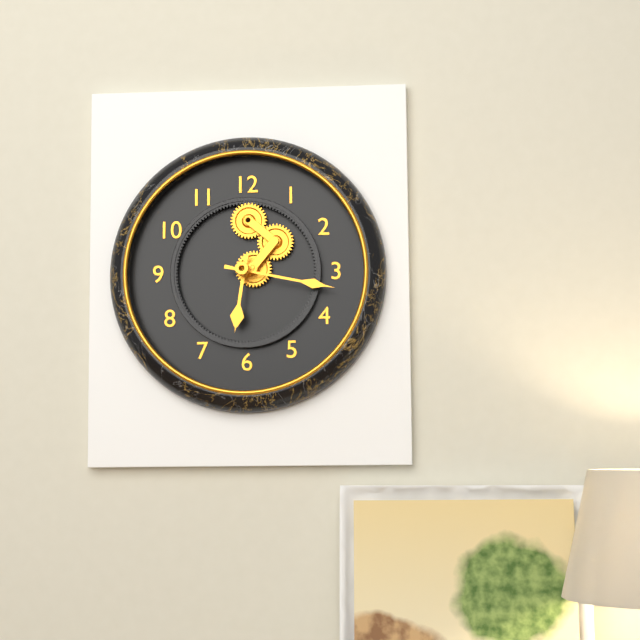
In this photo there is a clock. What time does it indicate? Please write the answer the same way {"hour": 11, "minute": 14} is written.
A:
{"hour": 6, "minute": 17}
